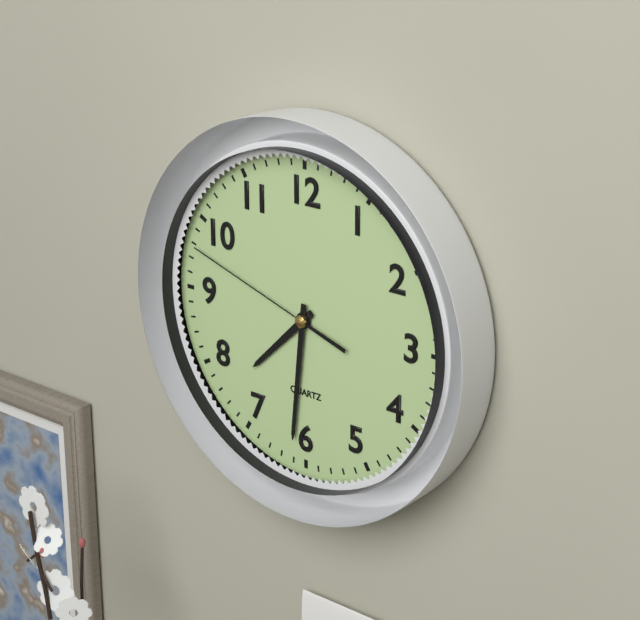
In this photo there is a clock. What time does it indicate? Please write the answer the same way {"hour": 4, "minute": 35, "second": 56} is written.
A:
{"hour": 7, "minute": 31, "second": 48}
